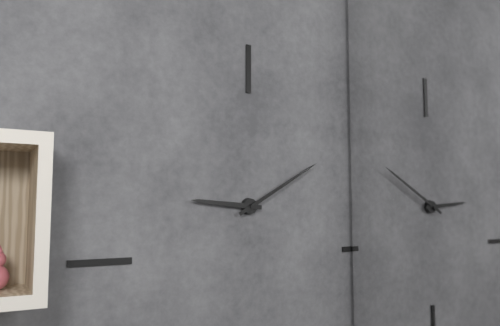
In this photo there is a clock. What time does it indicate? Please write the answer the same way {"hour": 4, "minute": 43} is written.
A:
{"hour": 9, "minute": 10}
